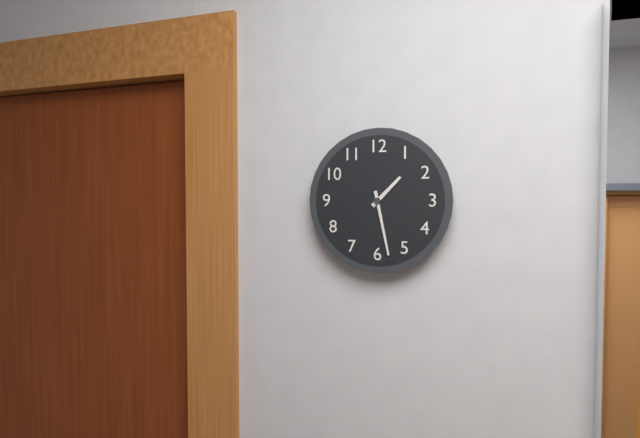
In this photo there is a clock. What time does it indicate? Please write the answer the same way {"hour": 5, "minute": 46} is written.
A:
{"hour": 1, "minute": 28}
